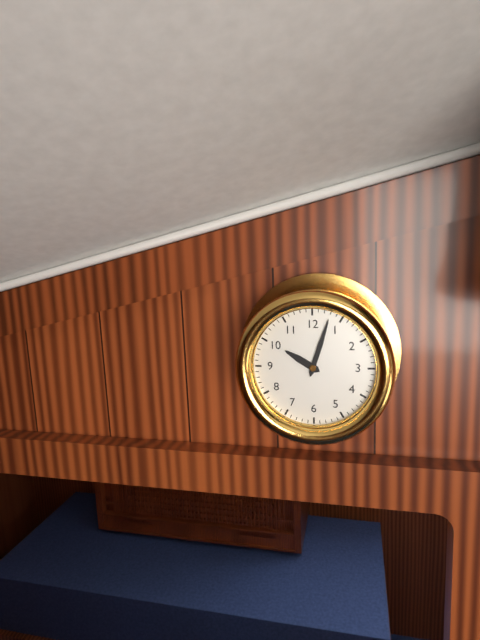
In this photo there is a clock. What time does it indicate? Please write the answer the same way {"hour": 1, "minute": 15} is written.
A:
{"hour": 10, "minute": 3}
